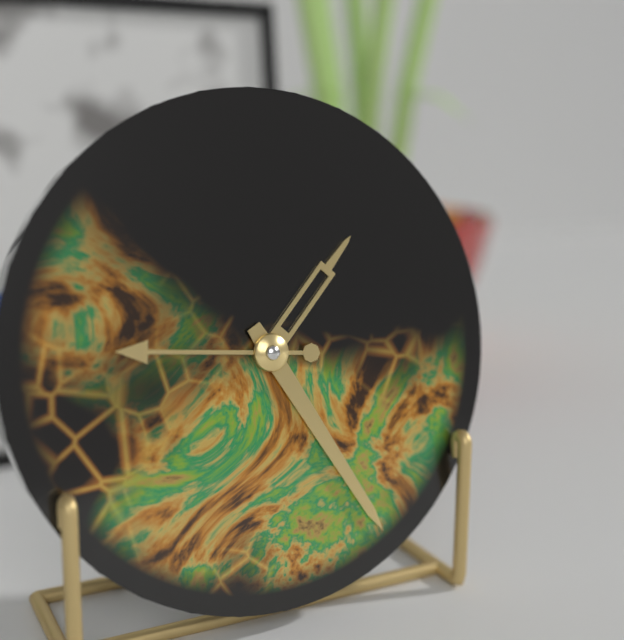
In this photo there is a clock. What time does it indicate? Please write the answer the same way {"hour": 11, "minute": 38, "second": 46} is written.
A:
{"hour": 1, "minute": 25, "second": 46}
